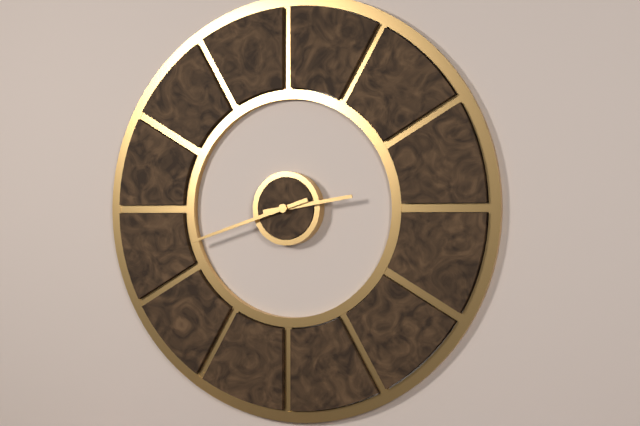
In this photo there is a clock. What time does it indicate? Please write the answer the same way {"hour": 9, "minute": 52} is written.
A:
{"hour": 2, "minute": 42}
